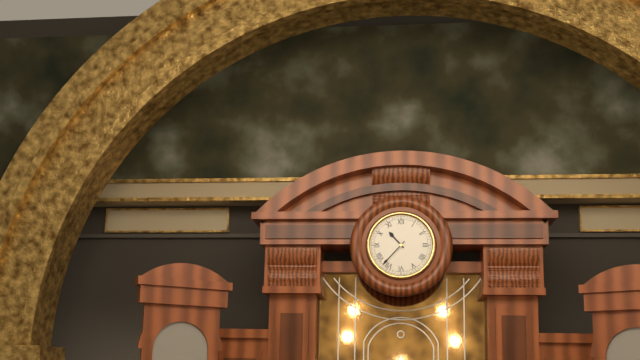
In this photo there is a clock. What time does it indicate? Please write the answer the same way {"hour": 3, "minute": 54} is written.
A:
{"hour": 10, "minute": 37}
